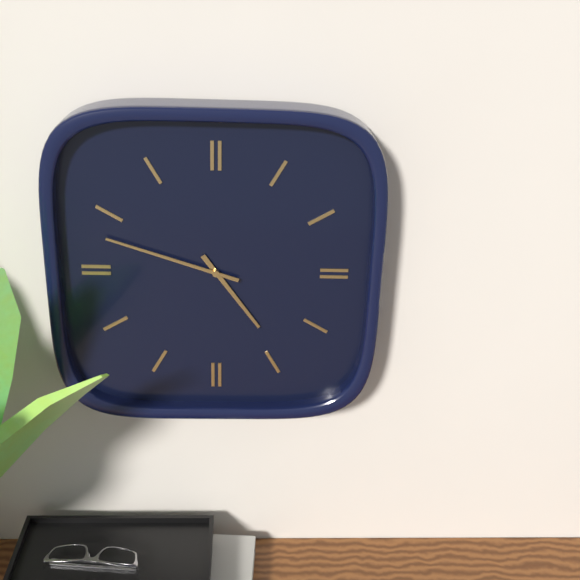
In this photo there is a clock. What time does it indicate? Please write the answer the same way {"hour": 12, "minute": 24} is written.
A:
{"hour": 4, "minute": 48}
